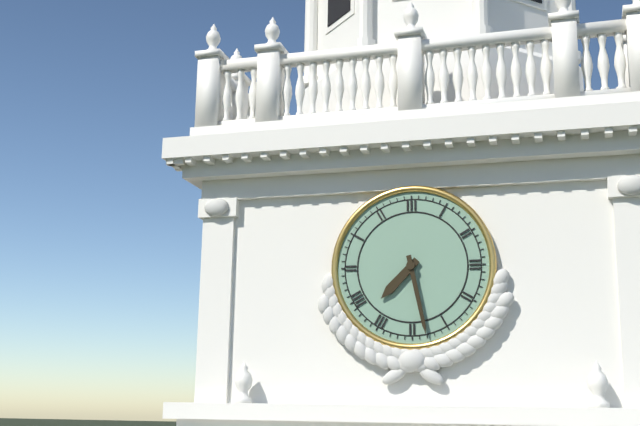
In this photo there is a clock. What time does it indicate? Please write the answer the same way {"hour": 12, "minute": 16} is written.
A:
{"hour": 7, "minute": 28}
